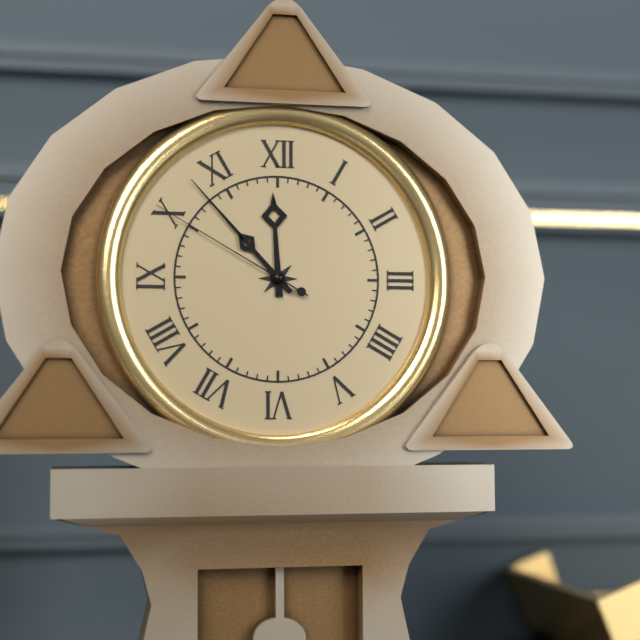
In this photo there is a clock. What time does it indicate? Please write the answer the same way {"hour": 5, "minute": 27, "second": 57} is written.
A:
{"hour": 11, "minute": 53, "second": 50}
